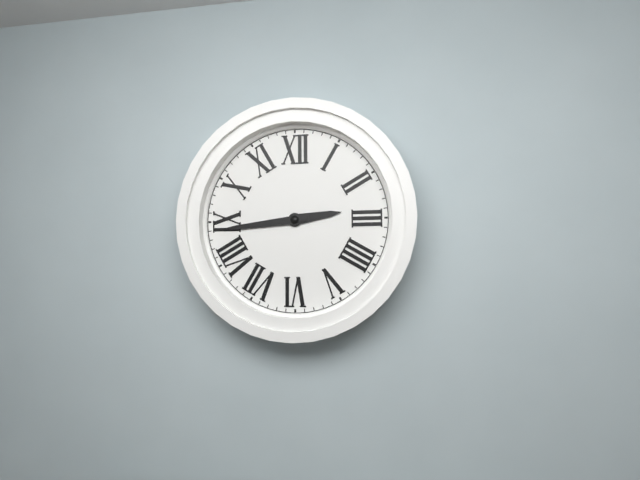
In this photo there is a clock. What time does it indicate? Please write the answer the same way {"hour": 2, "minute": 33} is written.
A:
{"hour": 2, "minute": 44}
